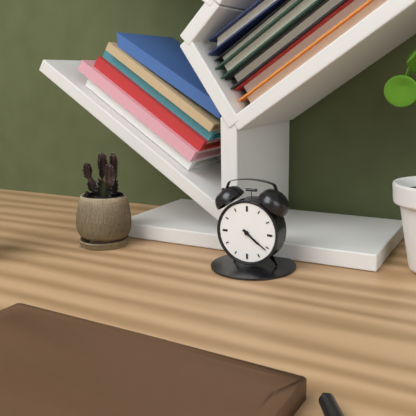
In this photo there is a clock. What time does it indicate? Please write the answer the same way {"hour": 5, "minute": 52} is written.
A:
{"hour": 4, "minute": 21}
